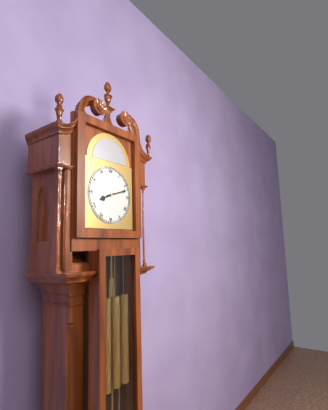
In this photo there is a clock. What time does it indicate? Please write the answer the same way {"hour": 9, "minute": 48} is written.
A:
{"hour": 8, "minute": 12}
